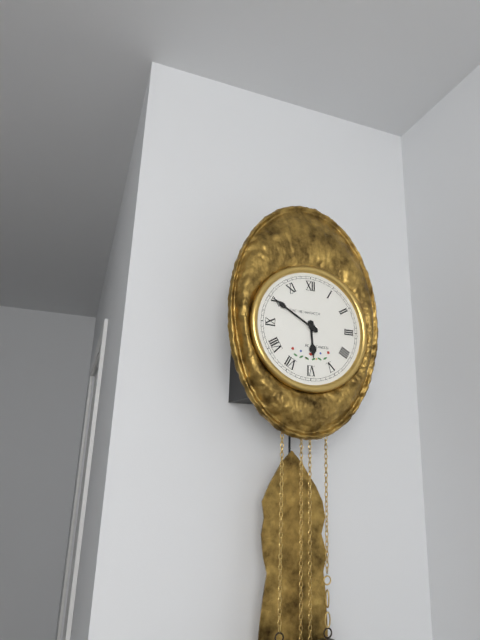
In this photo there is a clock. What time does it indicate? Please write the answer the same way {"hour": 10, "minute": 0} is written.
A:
{"hour": 5, "minute": 50}
